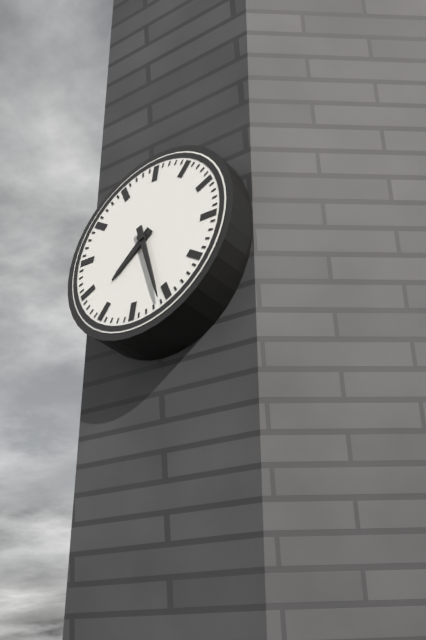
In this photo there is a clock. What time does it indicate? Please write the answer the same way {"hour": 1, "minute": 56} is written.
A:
{"hour": 7, "minute": 26}
